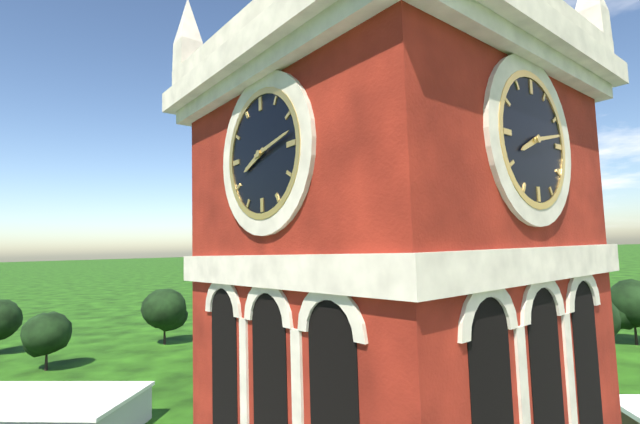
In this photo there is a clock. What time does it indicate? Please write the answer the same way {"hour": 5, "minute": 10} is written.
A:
{"hour": 8, "minute": 13}
